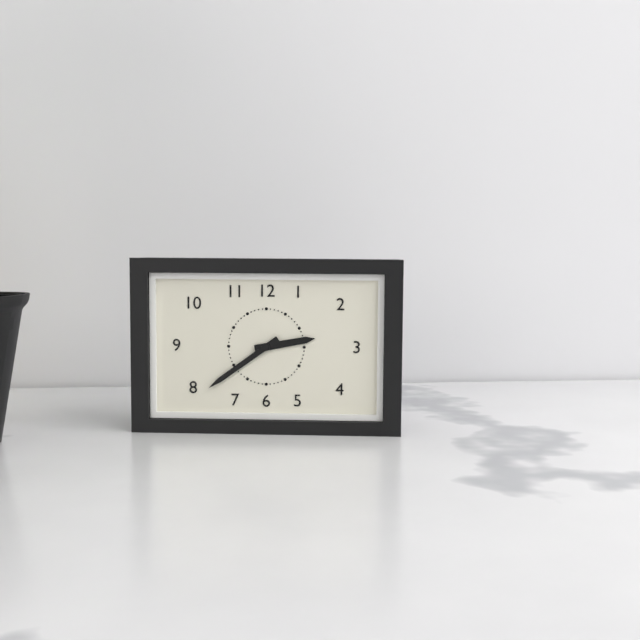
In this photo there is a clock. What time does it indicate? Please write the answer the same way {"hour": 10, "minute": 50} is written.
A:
{"hour": 2, "minute": 39}
